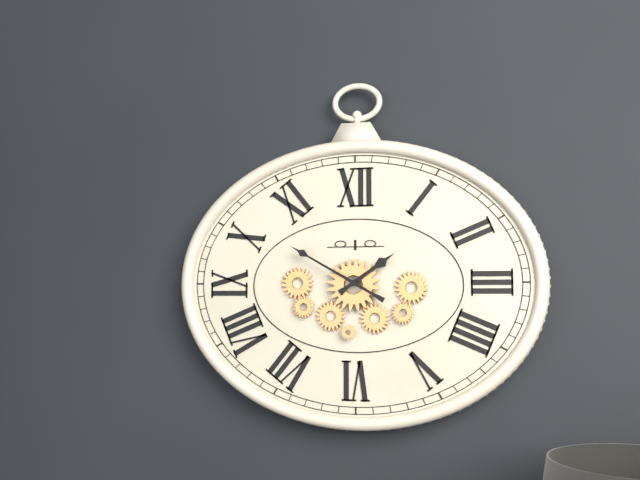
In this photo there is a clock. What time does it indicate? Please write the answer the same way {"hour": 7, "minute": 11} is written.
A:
{"hour": 1, "minute": 50}
